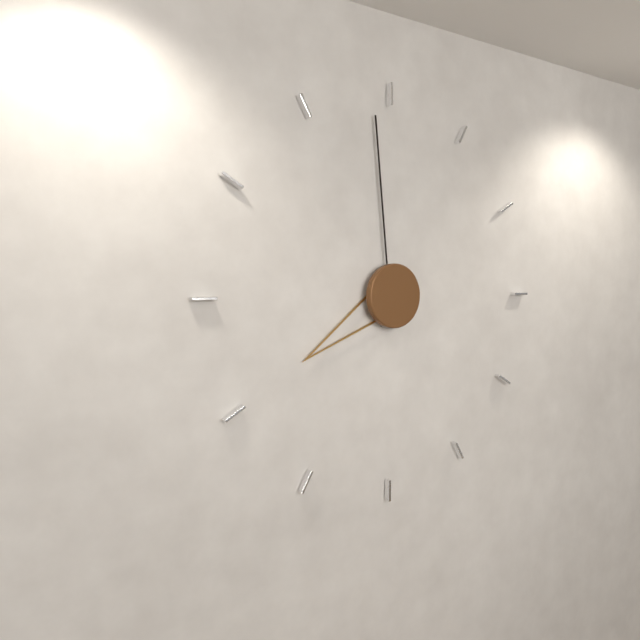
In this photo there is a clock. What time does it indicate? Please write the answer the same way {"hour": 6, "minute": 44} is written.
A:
{"hour": 7, "minute": 59}
